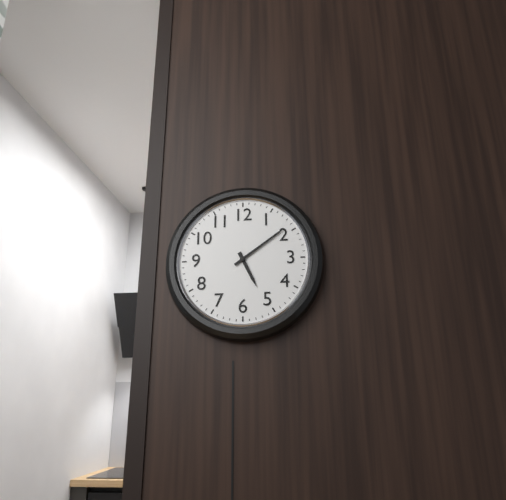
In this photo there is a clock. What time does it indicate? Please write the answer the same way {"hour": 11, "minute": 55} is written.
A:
{"hour": 5, "minute": 9}
